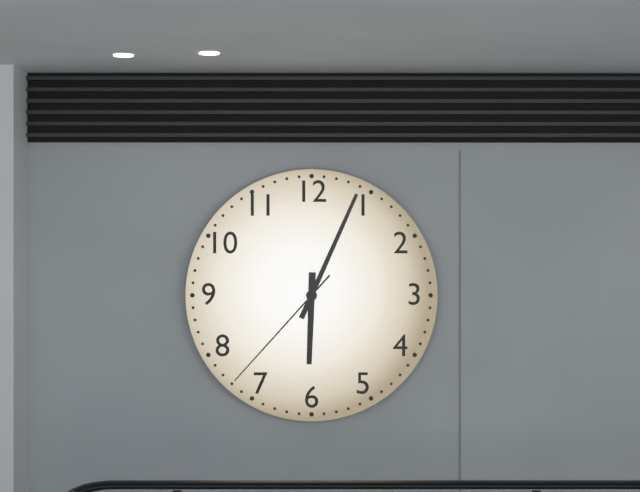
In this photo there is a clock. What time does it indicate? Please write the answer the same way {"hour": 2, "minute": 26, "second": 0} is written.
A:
{"hour": 6, "minute": 4, "second": 37}
